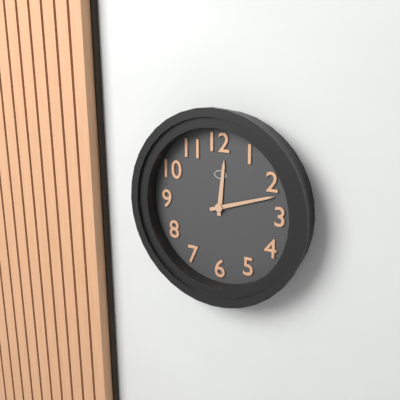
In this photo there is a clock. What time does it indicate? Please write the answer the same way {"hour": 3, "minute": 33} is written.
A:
{"hour": 12, "minute": 12}
